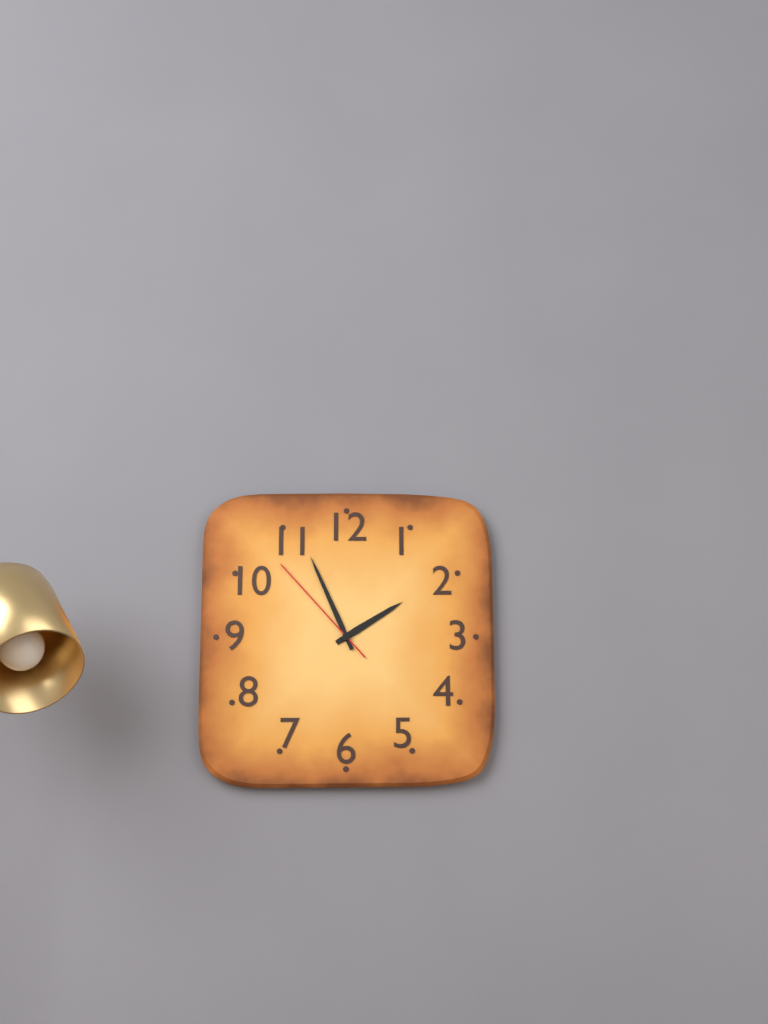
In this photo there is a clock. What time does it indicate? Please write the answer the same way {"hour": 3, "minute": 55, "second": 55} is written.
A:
{"hour": 1, "minute": 56, "second": 53}
